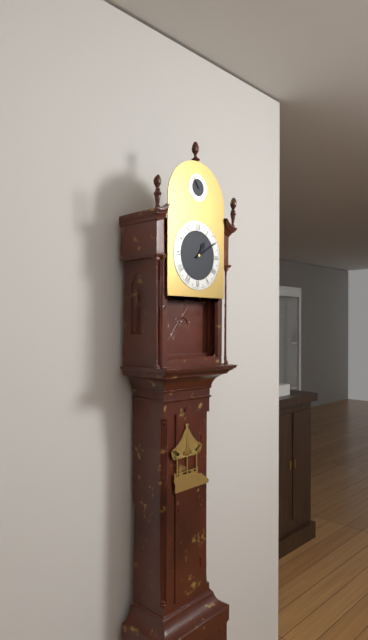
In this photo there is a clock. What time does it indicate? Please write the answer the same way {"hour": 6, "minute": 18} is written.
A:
{"hour": 1, "minute": 10}
